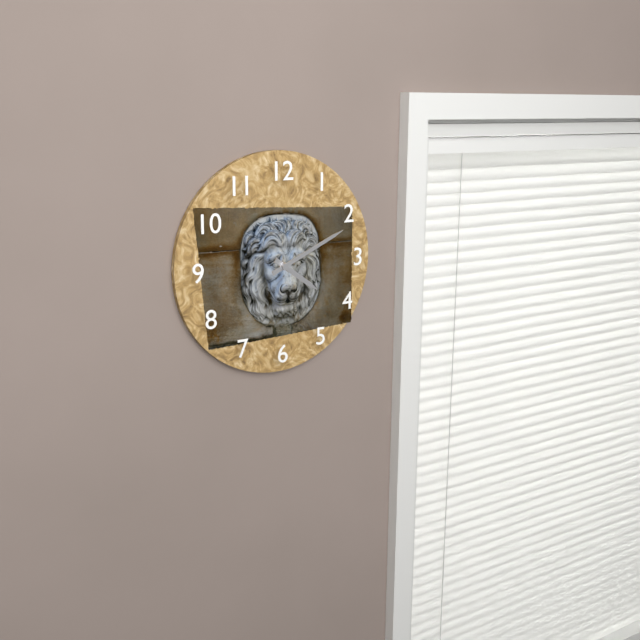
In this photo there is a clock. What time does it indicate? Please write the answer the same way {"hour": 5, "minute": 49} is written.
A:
{"hour": 4, "minute": 11}
